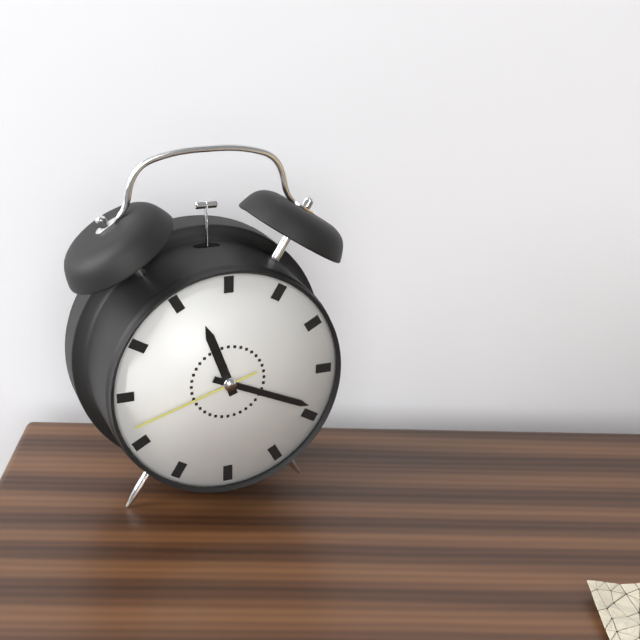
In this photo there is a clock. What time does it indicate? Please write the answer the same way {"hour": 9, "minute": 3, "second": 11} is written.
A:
{"hour": 11, "minute": 19, "second": 42}
